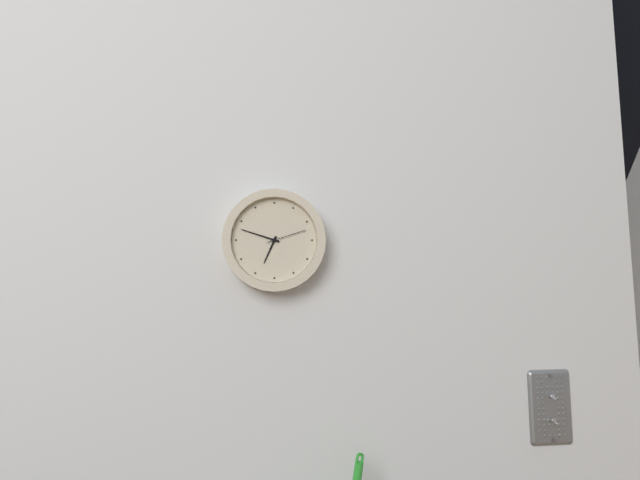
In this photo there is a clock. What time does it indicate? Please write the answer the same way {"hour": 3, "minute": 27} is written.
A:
{"hour": 6, "minute": 48}
